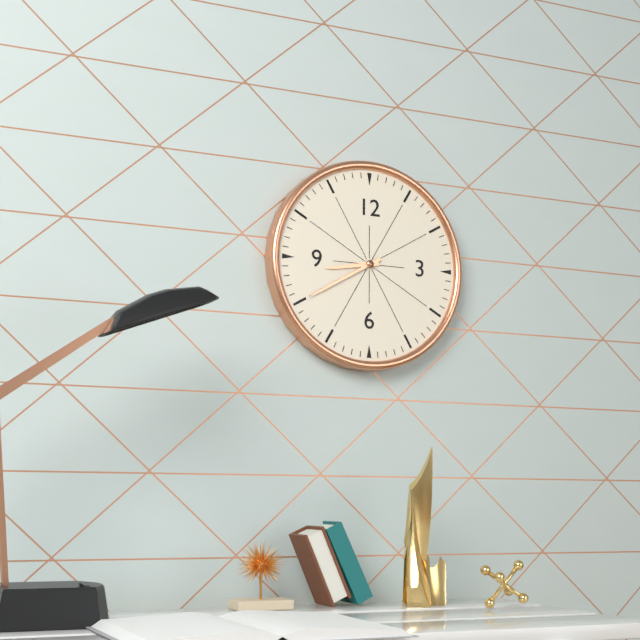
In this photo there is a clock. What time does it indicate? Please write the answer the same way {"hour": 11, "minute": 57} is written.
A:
{"hour": 8, "minute": 40}
